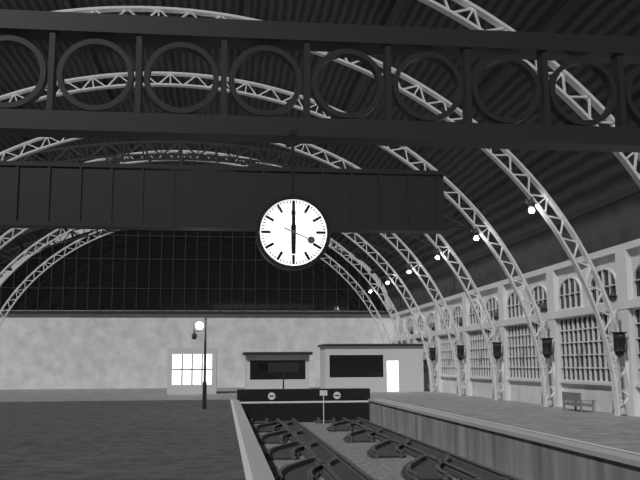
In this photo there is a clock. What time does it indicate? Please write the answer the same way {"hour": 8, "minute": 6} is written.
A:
{"hour": 6, "minute": 0}
